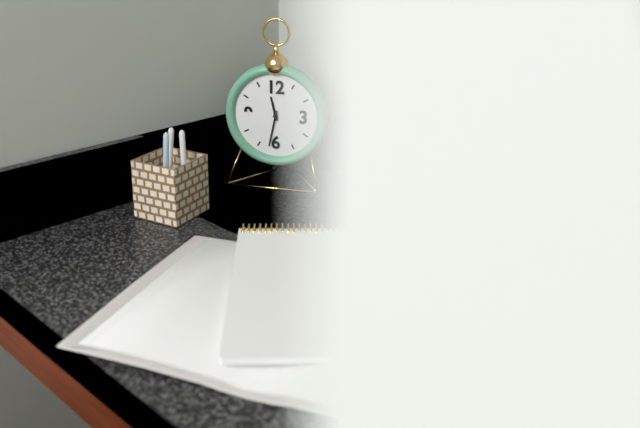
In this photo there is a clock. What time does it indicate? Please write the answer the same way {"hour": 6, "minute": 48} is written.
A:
{"hour": 11, "minute": 32}
